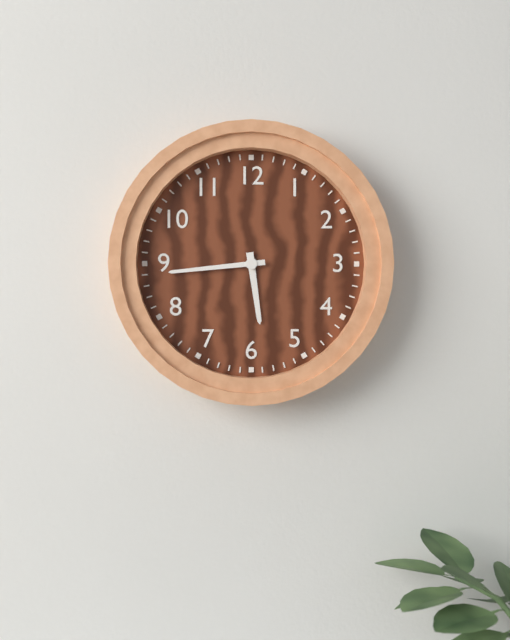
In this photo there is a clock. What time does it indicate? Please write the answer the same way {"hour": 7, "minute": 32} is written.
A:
{"hour": 5, "minute": 44}
